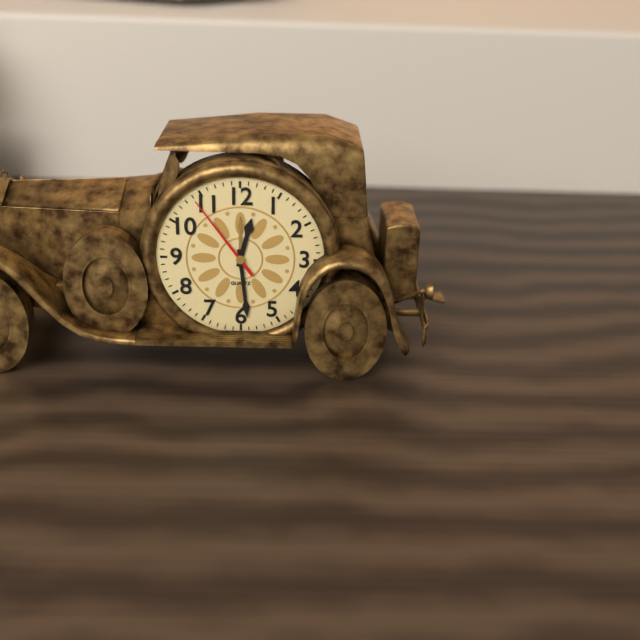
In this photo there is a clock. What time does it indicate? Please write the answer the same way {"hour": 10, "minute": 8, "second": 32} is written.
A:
{"hour": 12, "minute": 29, "second": 54}
